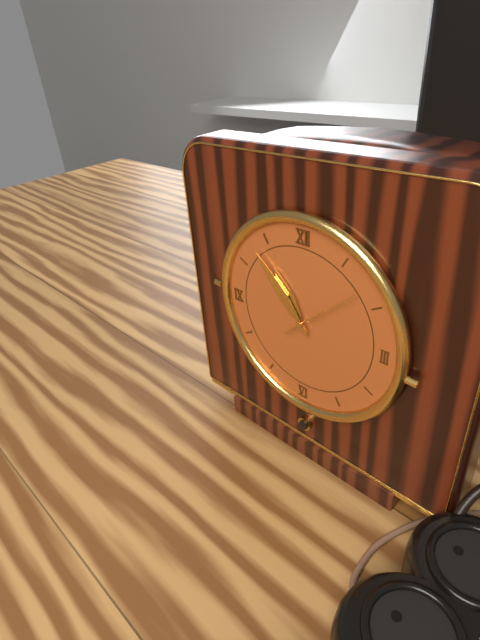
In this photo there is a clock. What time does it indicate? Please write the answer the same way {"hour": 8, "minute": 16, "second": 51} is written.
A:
{"hour": 10, "minute": 53, "second": 8}
